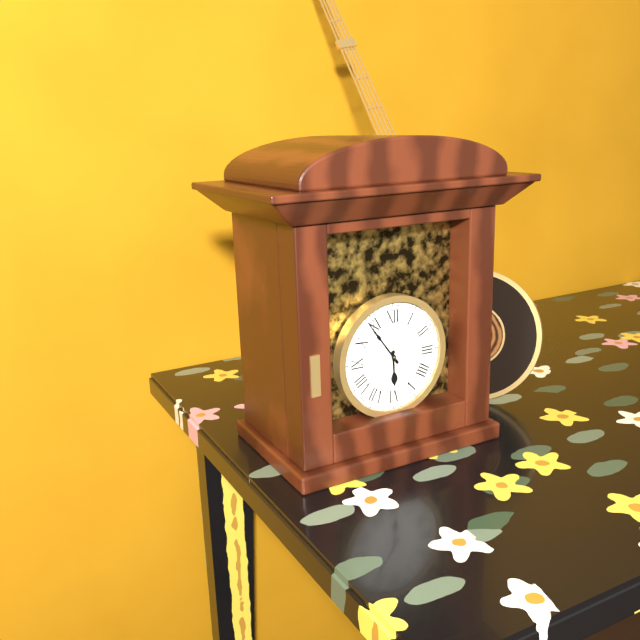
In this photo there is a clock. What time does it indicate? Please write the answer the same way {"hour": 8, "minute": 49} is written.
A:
{"hour": 5, "minute": 54}
